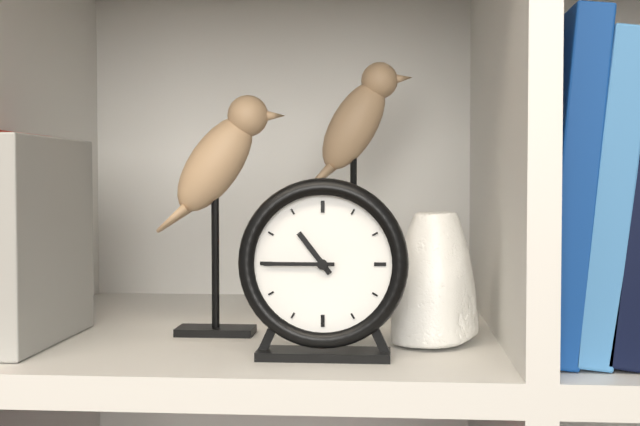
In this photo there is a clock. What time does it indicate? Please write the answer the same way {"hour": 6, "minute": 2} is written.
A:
{"hour": 10, "minute": 45}
